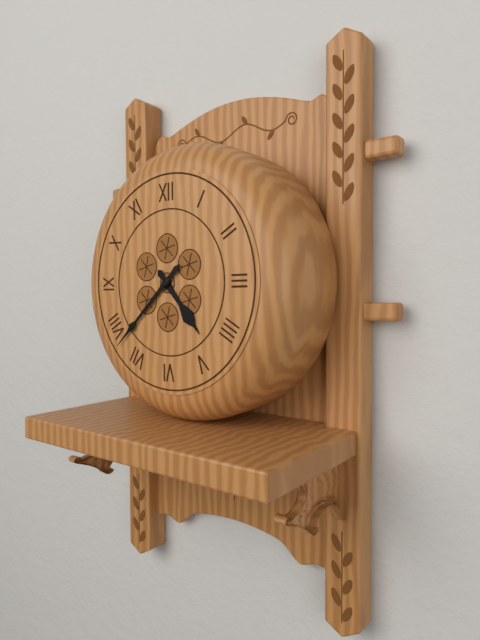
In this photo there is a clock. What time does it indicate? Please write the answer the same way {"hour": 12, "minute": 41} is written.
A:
{"hour": 4, "minute": 38}
